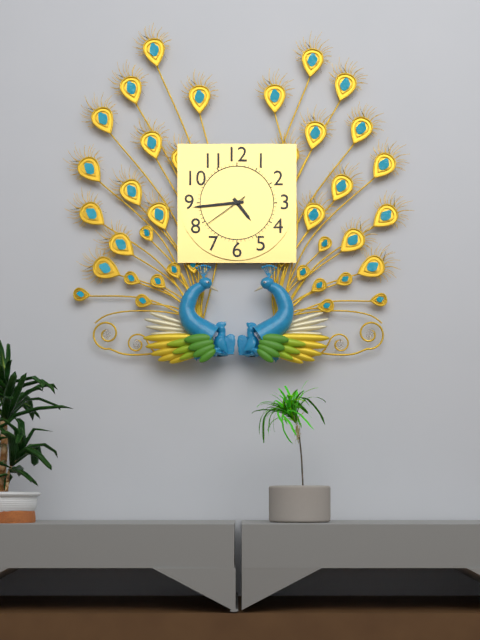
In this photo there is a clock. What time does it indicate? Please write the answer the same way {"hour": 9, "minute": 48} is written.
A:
{"hour": 4, "minute": 44}
